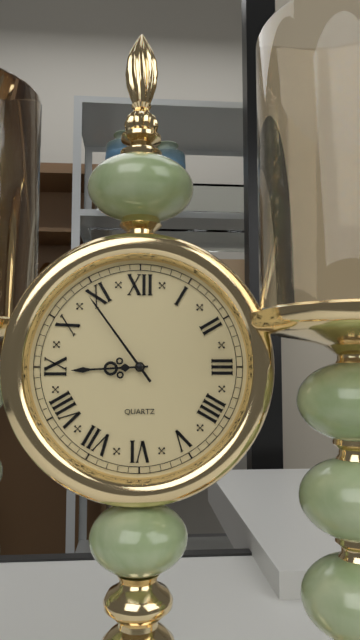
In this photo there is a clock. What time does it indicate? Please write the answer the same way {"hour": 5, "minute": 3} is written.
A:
{"hour": 8, "minute": 54}
